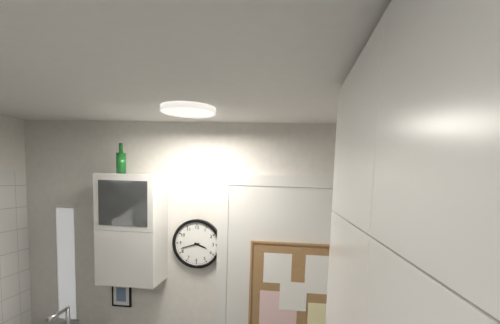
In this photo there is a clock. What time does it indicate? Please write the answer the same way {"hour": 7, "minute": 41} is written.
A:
{"hour": 3, "minute": 42}
